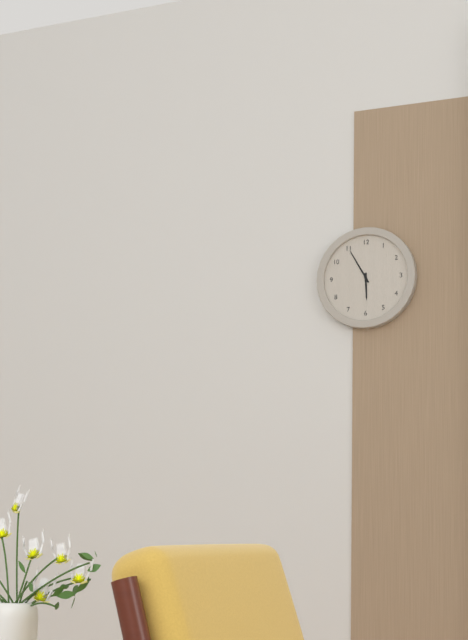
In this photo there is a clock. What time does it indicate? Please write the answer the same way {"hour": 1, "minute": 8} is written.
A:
{"hour": 5, "minute": 55}
